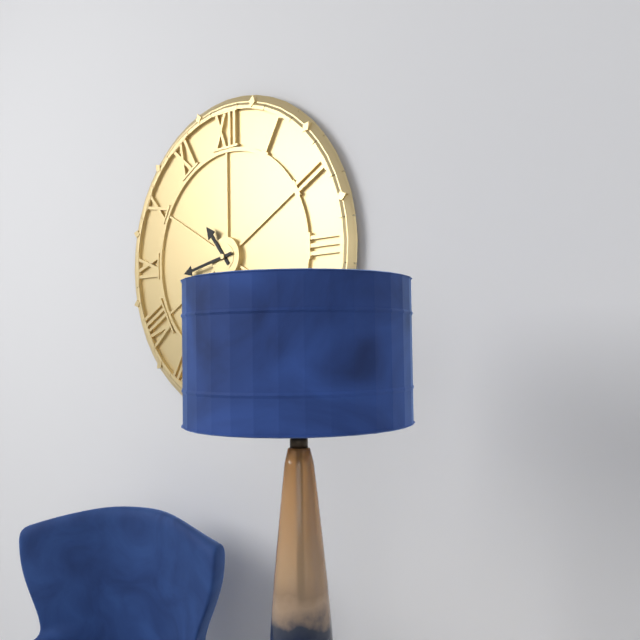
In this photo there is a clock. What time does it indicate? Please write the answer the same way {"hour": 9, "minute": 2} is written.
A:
{"hour": 10, "minute": 43}
